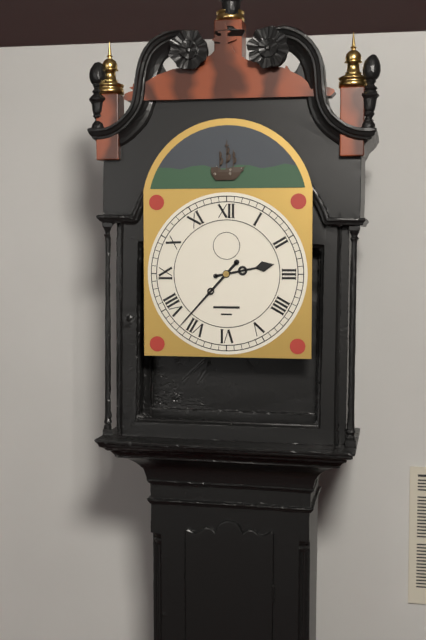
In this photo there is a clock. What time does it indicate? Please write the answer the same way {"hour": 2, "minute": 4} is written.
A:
{"hour": 2, "minute": 37}
